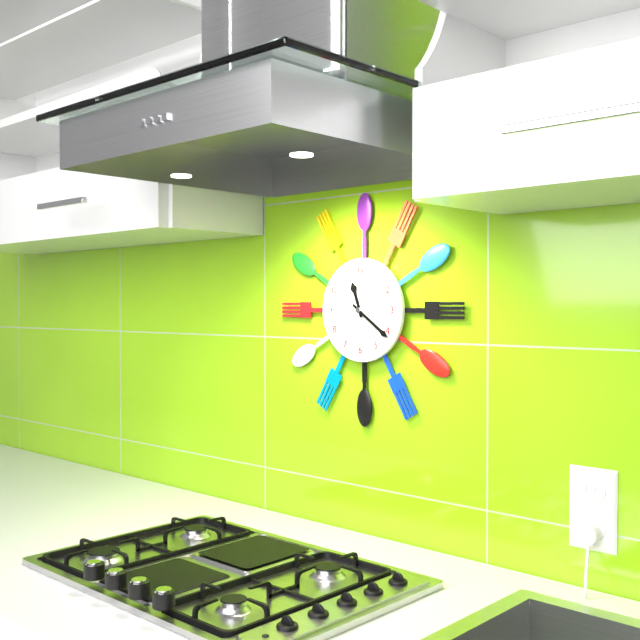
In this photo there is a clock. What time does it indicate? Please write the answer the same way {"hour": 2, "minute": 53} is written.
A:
{"hour": 11, "minute": 21}
